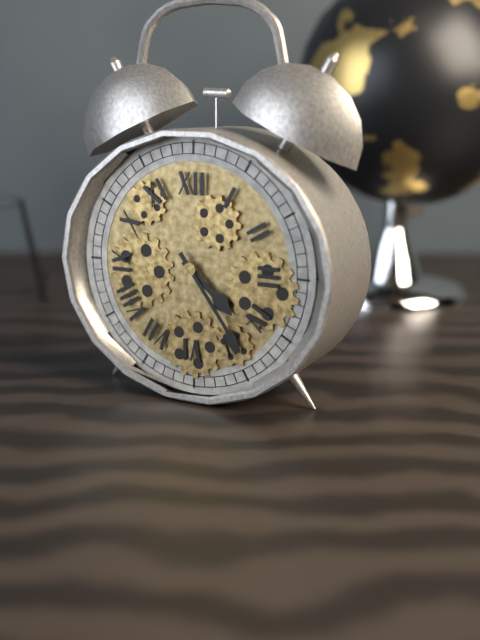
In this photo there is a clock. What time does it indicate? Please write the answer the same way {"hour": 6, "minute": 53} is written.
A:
{"hour": 4, "minute": 24}
